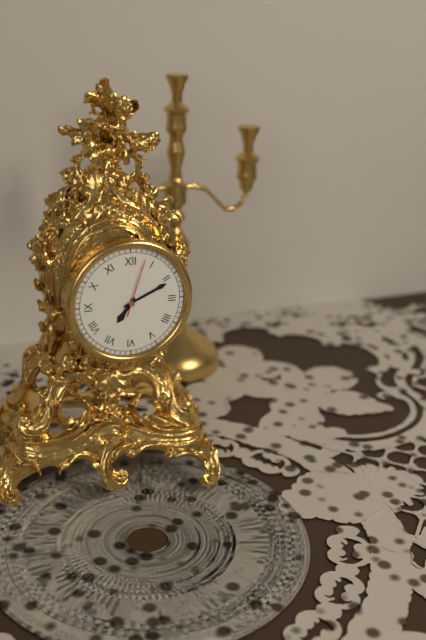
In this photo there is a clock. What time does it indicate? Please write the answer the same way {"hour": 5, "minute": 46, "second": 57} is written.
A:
{"hour": 7, "minute": 11, "second": 3}
